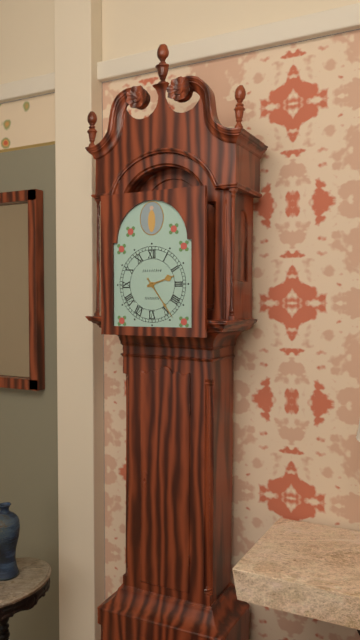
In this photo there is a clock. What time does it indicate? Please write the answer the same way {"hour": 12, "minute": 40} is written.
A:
{"hour": 2, "minute": 24}
